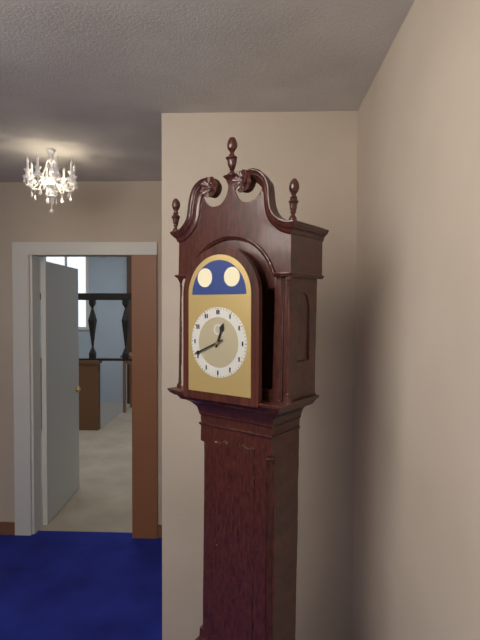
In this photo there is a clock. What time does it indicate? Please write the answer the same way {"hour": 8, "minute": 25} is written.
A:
{"hour": 12, "minute": 41}
